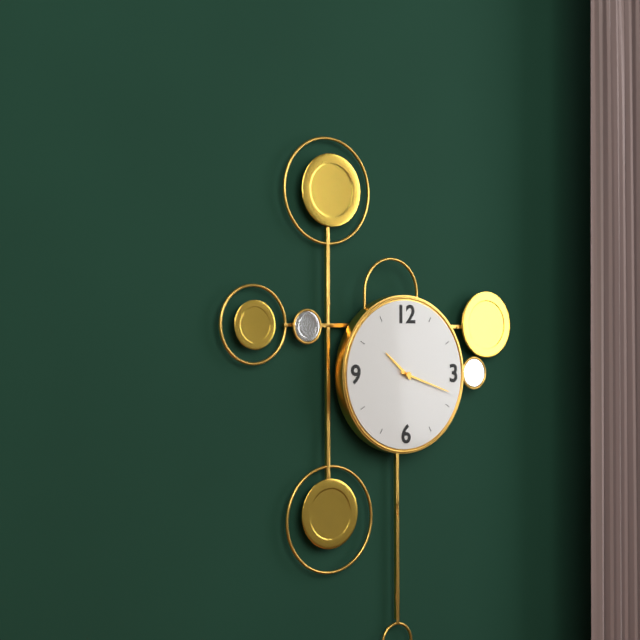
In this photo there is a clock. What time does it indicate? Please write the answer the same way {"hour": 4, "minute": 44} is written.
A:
{"hour": 10, "minute": 18}
